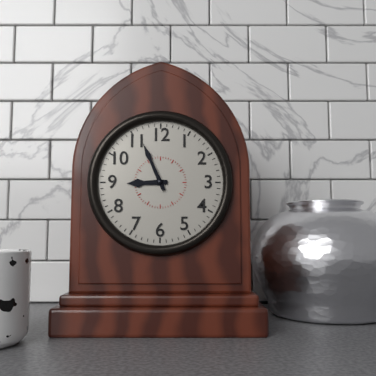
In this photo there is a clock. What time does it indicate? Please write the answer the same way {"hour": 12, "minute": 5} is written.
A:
{"hour": 8, "minute": 56}
